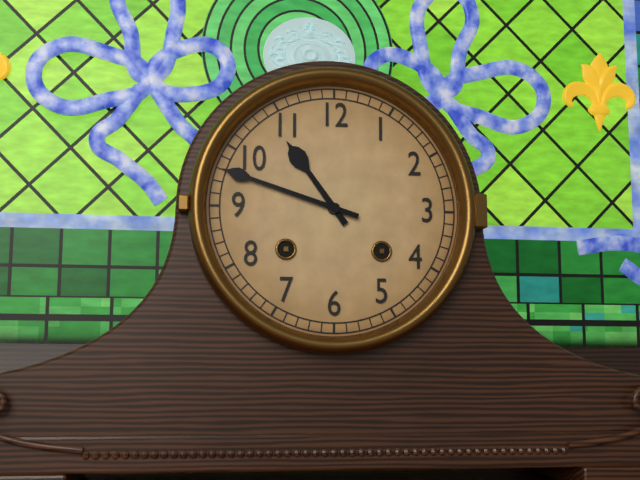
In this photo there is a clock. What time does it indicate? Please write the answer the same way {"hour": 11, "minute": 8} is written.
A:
{"hour": 10, "minute": 48}
